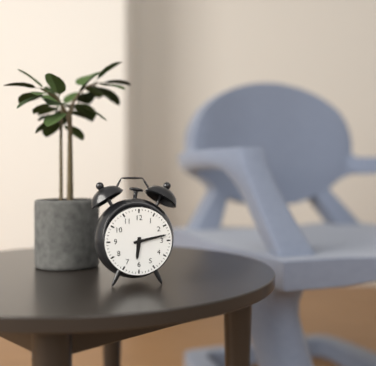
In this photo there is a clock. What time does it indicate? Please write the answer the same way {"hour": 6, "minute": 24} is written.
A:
{"hour": 6, "minute": 13}
